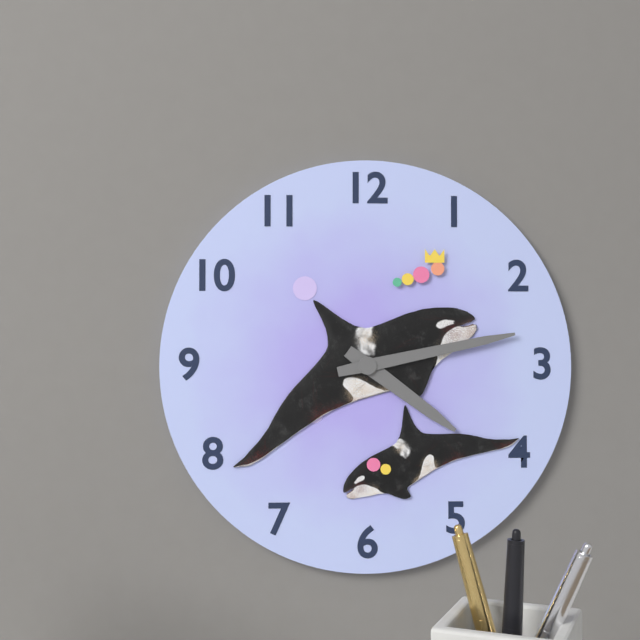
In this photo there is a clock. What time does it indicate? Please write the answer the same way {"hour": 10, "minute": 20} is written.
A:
{"hour": 4, "minute": 13}
